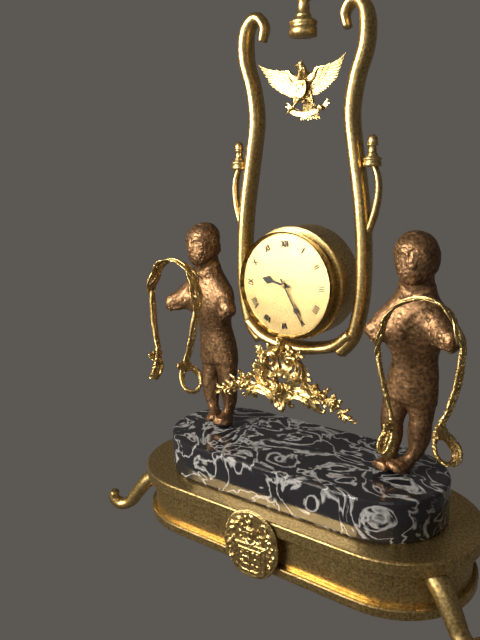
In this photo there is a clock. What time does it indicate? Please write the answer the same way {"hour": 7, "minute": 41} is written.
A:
{"hour": 9, "minute": 25}
